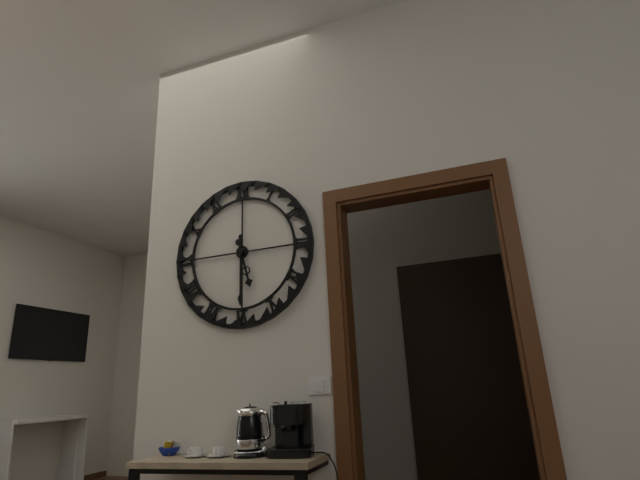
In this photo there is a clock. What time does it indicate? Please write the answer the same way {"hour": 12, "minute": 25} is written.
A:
{"hour": 5, "minute": 30}
